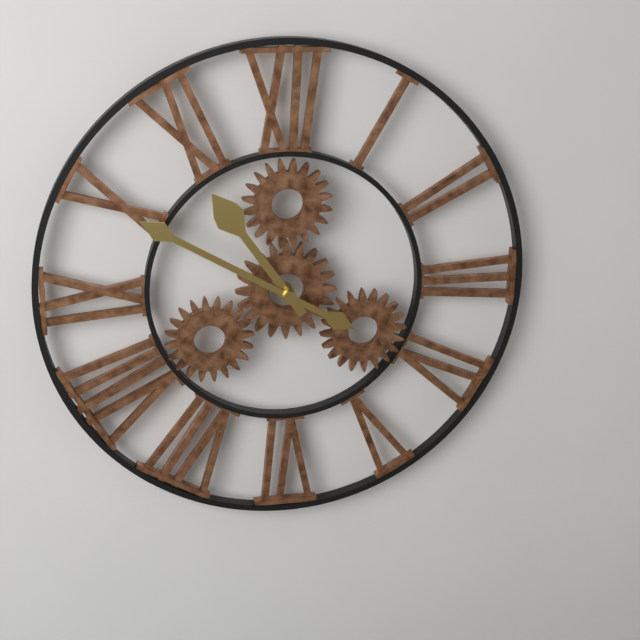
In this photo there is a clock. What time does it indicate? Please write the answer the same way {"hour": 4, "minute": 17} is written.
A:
{"hour": 10, "minute": 50}
